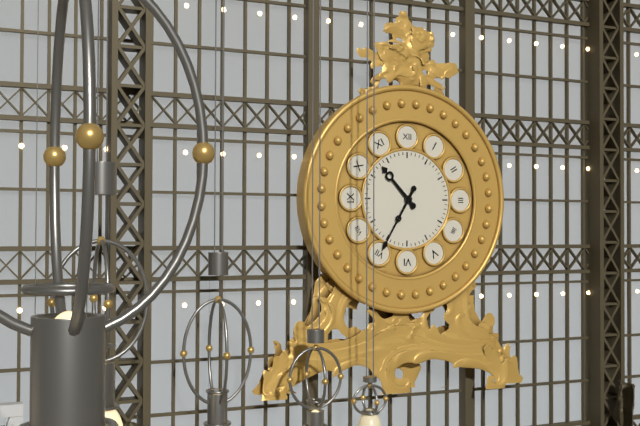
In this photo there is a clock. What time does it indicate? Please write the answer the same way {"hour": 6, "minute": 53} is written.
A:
{"hour": 10, "minute": 35}
